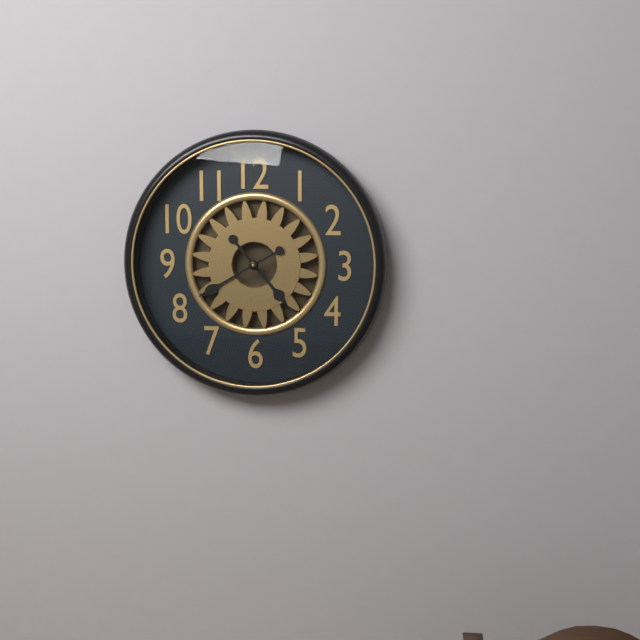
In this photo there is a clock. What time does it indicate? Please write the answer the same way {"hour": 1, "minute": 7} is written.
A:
{"hour": 4, "minute": 40}
